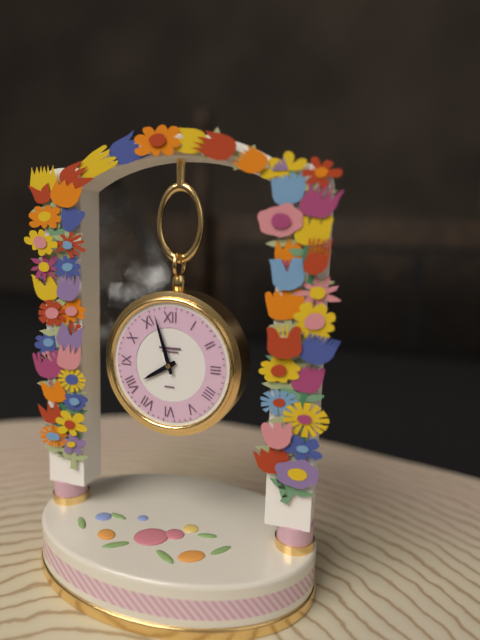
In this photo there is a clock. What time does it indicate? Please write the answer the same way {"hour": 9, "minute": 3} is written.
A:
{"hour": 7, "minute": 57}
